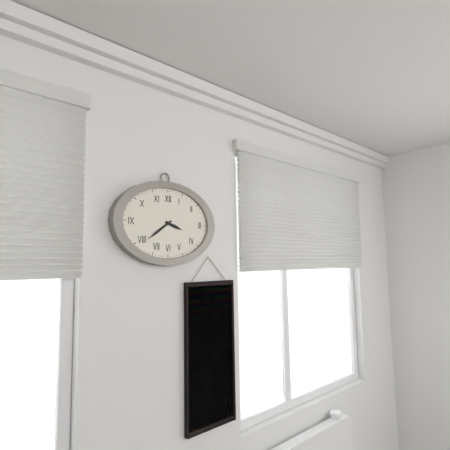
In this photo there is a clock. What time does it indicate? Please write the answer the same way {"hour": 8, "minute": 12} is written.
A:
{"hour": 3, "minute": 39}
